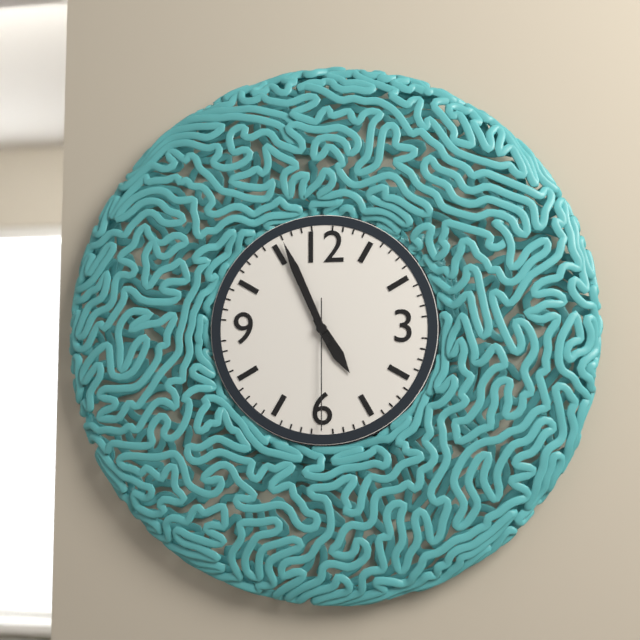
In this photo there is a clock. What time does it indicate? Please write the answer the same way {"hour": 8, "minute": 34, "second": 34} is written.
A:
{"hour": 4, "minute": 56, "second": 30}
